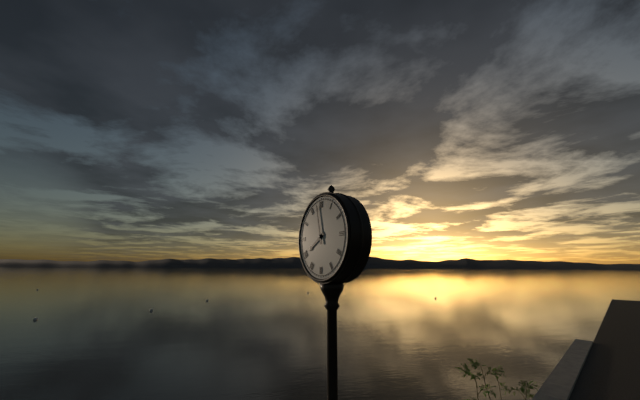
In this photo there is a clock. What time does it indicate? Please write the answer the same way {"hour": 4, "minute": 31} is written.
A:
{"hour": 7, "minute": 58}
